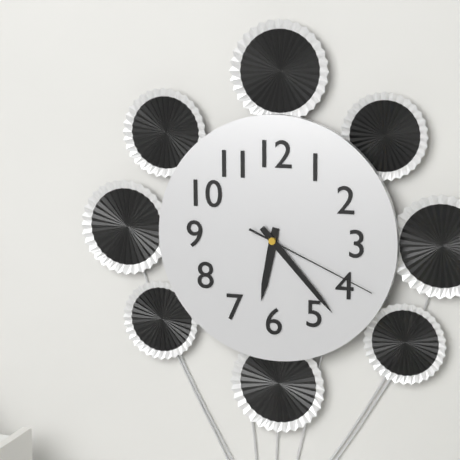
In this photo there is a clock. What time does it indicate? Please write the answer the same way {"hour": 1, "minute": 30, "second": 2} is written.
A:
{"hour": 6, "minute": 23, "second": 19}
